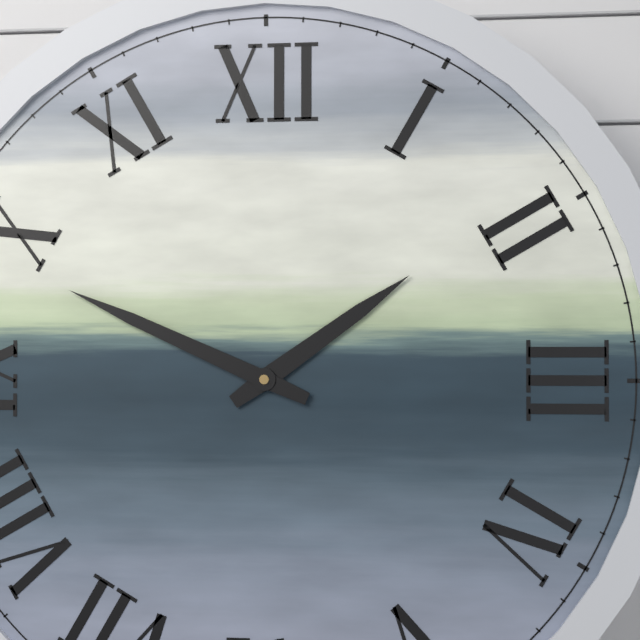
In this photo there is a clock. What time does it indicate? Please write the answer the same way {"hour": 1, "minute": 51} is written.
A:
{"hour": 1, "minute": 49}
